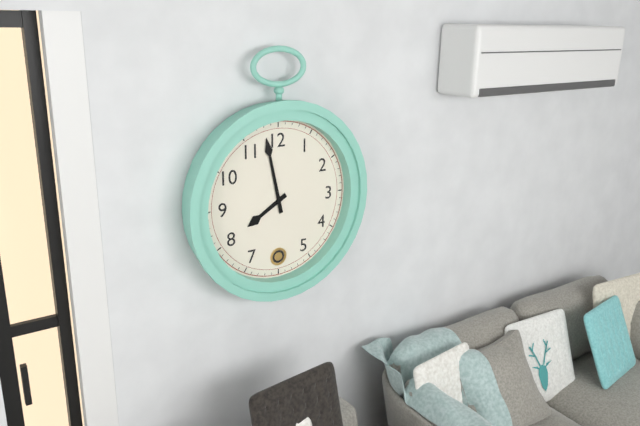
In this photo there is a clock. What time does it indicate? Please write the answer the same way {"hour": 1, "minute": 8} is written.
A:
{"hour": 7, "minute": 58}
